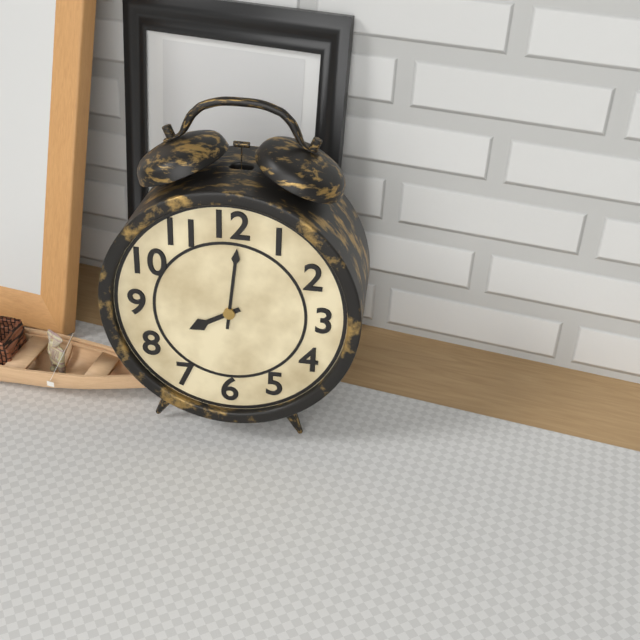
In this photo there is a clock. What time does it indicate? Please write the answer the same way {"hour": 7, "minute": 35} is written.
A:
{"hour": 8, "minute": 1}
